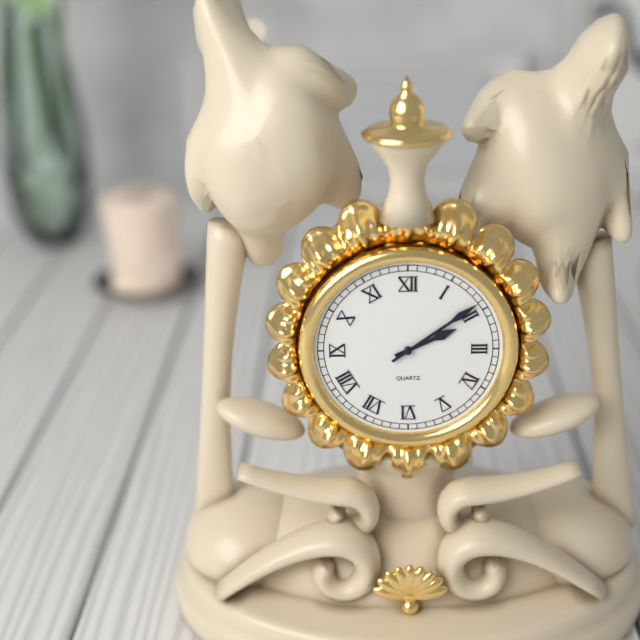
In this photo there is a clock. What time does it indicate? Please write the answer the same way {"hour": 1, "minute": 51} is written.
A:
{"hour": 2, "minute": 9}
